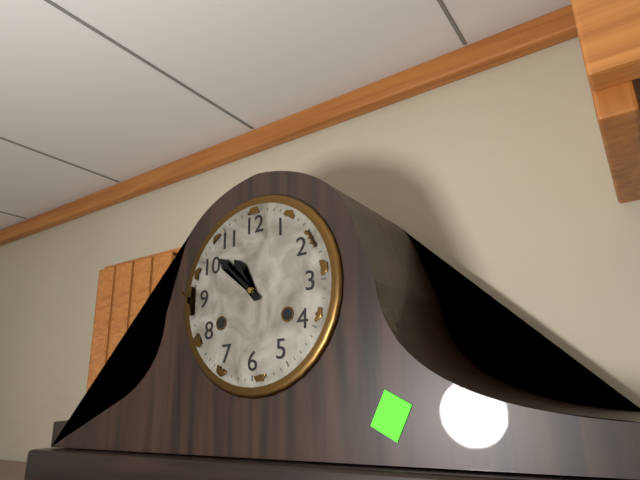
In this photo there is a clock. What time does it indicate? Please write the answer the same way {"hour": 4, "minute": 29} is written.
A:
{"hour": 10, "minute": 52}
